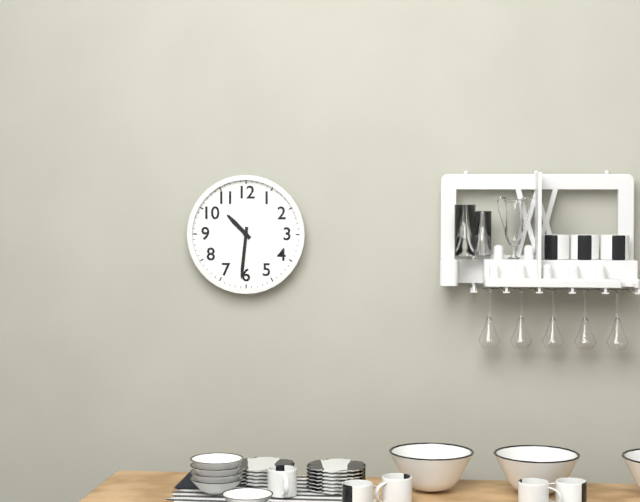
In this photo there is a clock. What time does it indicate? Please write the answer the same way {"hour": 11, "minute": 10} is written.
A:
{"hour": 10, "minute": 31}
